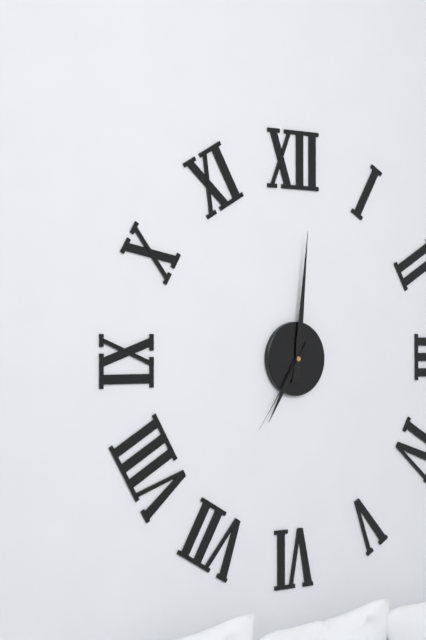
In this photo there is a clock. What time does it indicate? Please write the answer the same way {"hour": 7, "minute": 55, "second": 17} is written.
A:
{"hour": 7, "minute": 1, "second": 36}
